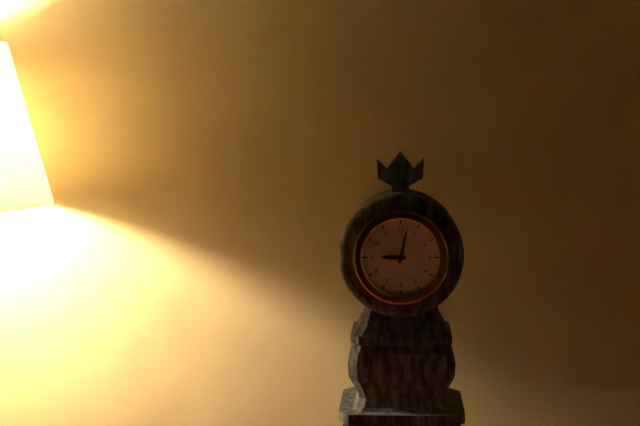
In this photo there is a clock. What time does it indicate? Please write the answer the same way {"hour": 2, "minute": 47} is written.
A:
{"hour": 9, "minute": 2}
